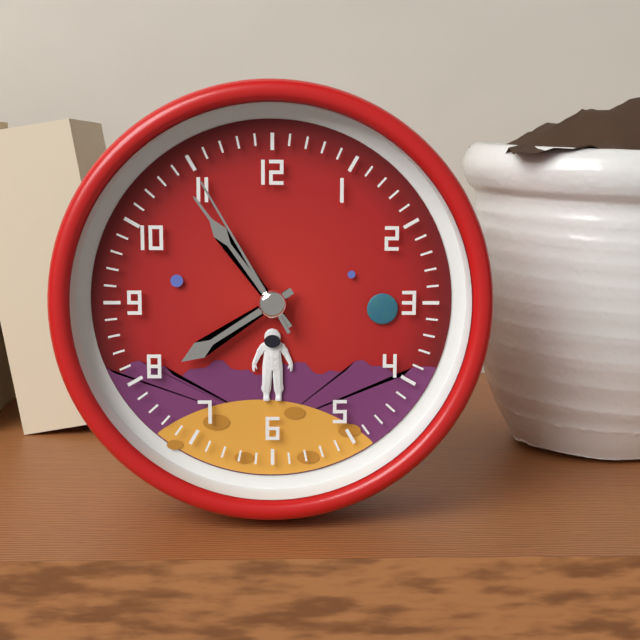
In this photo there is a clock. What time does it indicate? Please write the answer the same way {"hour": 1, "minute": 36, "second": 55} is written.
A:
{"hour": 7, "minute": 54, "second": 55}
